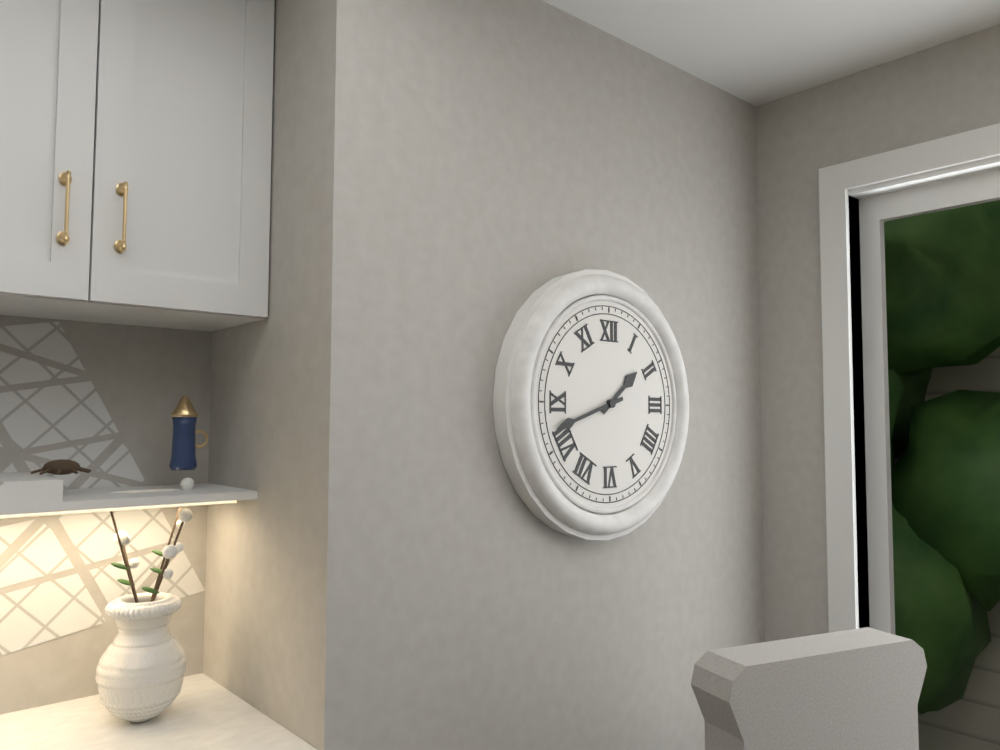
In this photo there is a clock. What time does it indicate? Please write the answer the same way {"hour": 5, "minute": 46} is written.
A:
{"hour": 1, "minute": 42}
